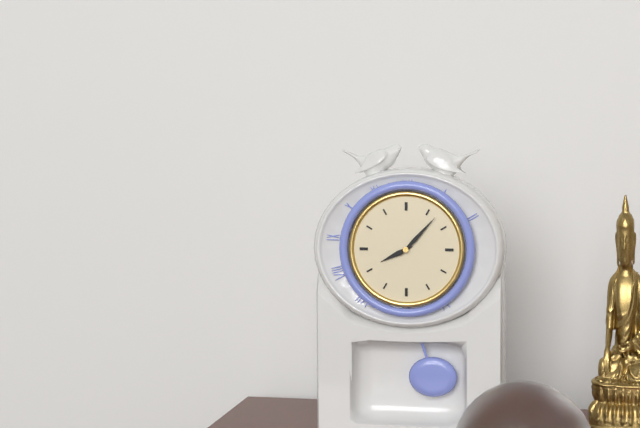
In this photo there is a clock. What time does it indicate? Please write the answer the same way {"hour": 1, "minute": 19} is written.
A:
{"hour": 8, "minute": 7}
